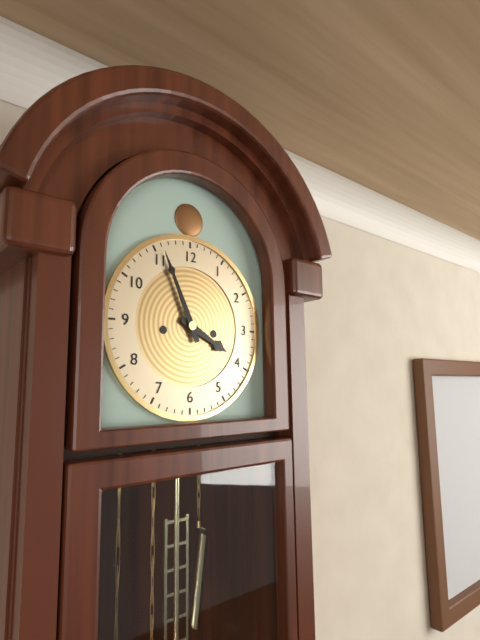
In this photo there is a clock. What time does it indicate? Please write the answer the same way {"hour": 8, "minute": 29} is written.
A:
{"hour": 3, "minute": 56}
